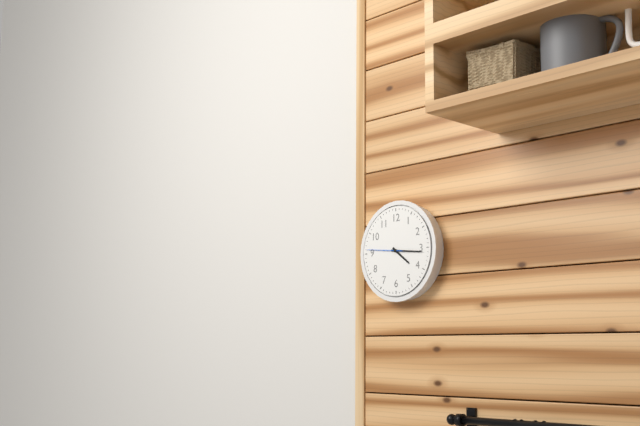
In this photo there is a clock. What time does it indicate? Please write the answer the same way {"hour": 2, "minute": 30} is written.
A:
{"hour": 4, "minute": 16}
